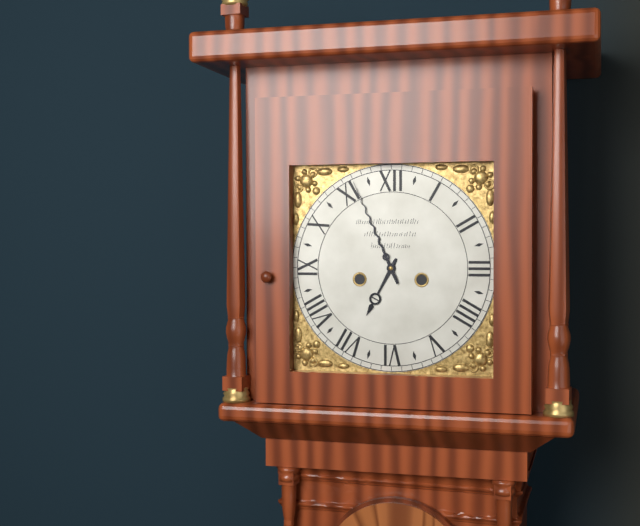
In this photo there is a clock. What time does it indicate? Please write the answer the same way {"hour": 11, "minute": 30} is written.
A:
{"hour": 6, "minute": 56}
